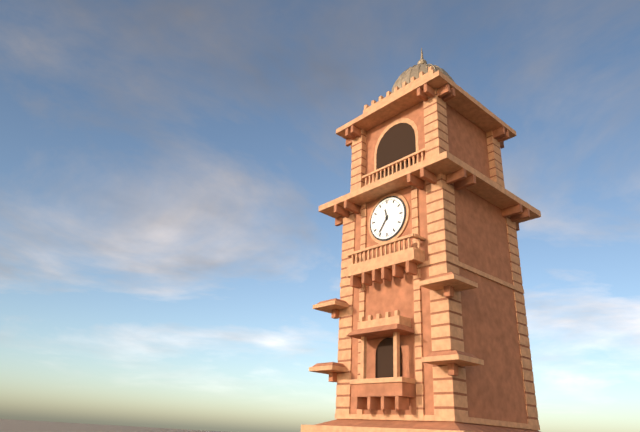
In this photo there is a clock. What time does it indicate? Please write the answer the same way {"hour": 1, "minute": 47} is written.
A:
{"hour": 11, "minute": 36}
